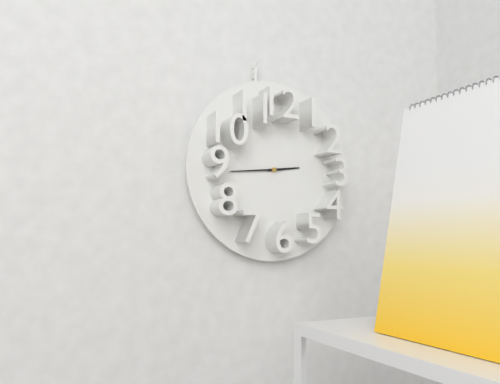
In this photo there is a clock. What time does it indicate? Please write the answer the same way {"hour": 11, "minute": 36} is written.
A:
{"hour": 2, "minute": 44}
